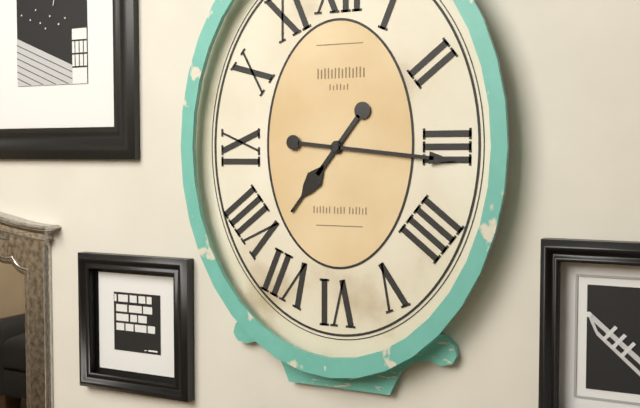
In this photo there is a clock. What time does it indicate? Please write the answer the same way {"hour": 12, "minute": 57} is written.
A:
{"hour": 7, "minute": 16}
